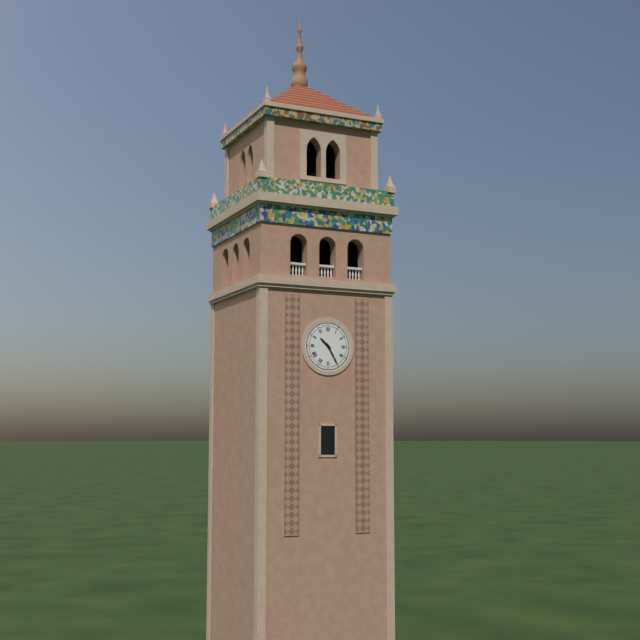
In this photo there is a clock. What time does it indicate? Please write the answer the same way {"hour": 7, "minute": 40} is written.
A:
{"hour": 10, "minute": 25}
